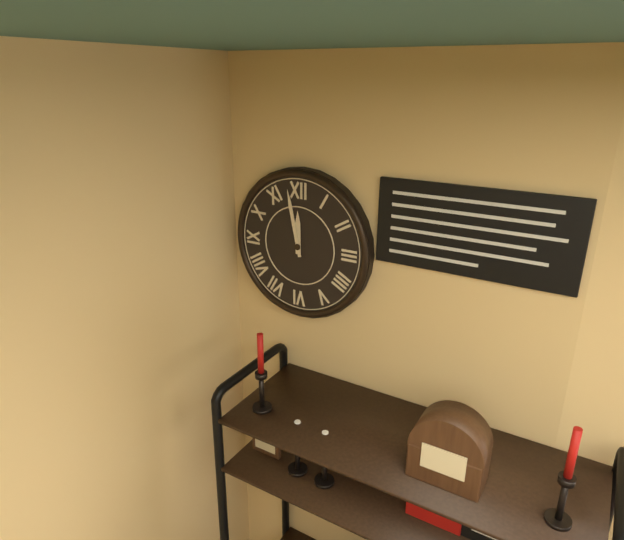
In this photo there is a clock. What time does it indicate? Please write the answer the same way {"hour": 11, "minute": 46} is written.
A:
{"hour": 11, "minute": 58}
